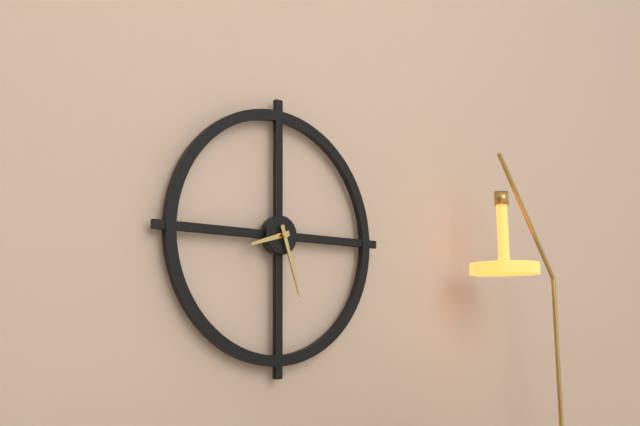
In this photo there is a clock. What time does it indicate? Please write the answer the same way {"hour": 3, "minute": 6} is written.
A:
{"hour": 8, "minute": 27}
